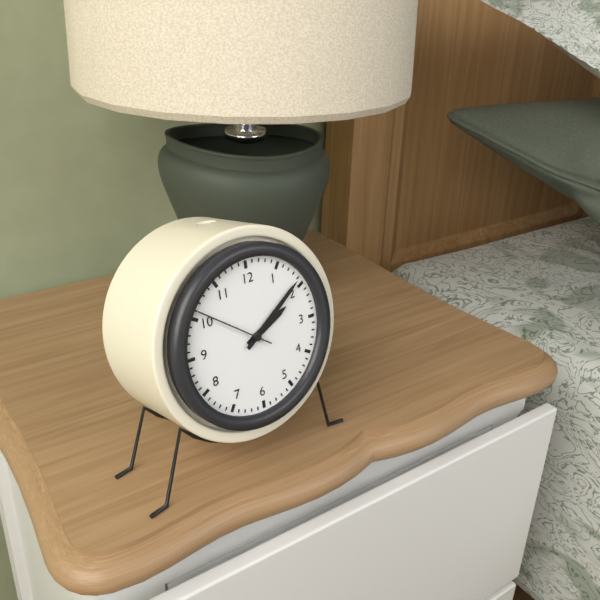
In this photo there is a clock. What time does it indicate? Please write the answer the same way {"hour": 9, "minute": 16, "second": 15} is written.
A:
{"hour": 2, "minute": 9, "second": 51}
